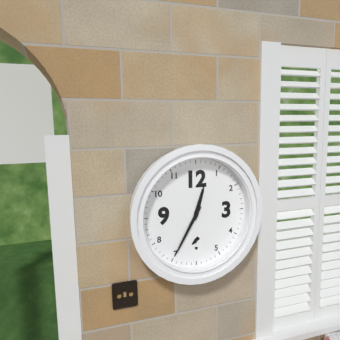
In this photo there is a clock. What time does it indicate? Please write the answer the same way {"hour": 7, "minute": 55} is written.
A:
{"hour": 12, "minute": 35}
